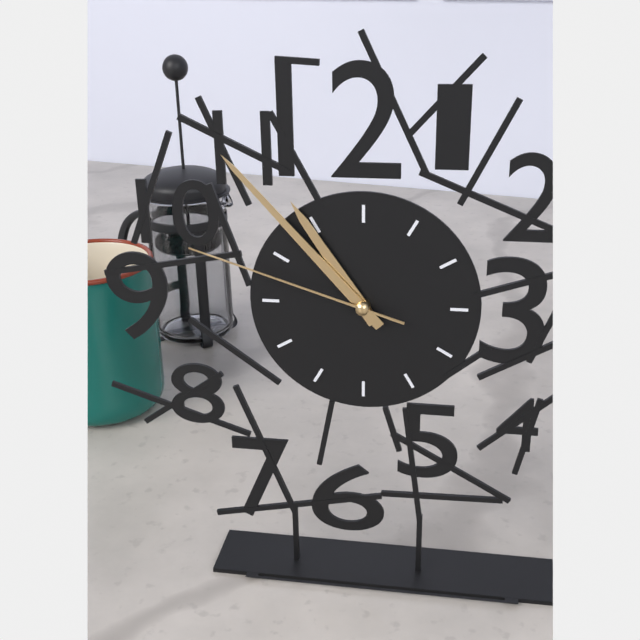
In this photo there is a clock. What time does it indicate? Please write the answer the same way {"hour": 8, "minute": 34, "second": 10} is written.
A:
{"hour": 10, "minute": 53, "second": 48}
